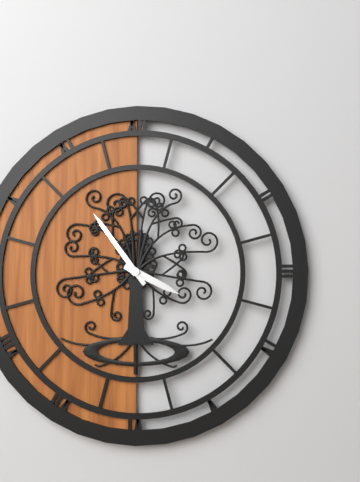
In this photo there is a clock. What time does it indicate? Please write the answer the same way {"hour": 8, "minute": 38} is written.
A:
{"hour": 3, "minute": 54}
